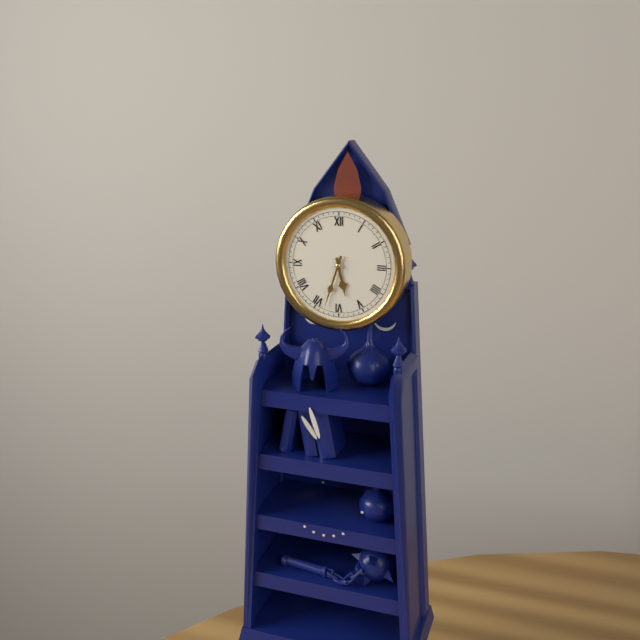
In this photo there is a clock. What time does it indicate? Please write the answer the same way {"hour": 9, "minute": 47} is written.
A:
{"hour": 5, "minute": 33}
